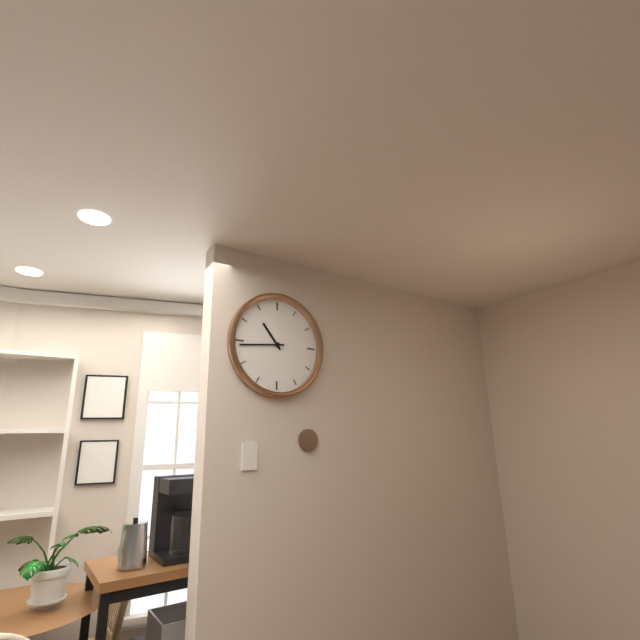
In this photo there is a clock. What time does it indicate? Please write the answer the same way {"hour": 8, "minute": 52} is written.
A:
{"hour": 10, "minute": 44}
